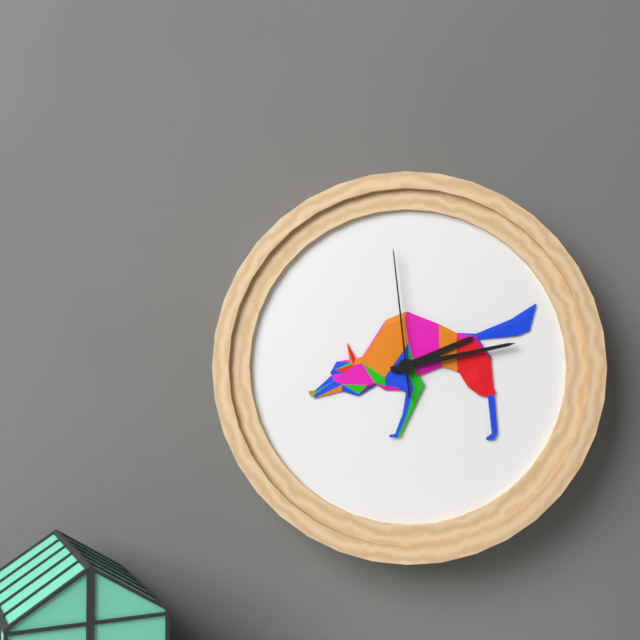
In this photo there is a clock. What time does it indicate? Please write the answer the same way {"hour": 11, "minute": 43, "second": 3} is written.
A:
{"hour": 2, "minute": 13, "second": 59}
